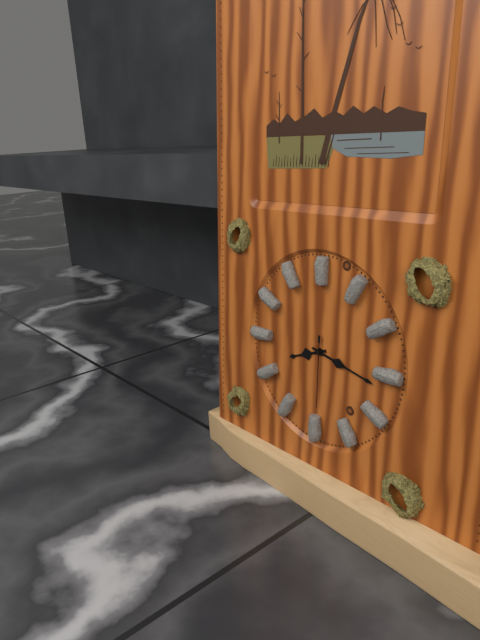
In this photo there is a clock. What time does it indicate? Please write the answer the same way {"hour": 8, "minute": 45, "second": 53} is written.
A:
{"hour": 8, "minute": 17, "second": 30}
